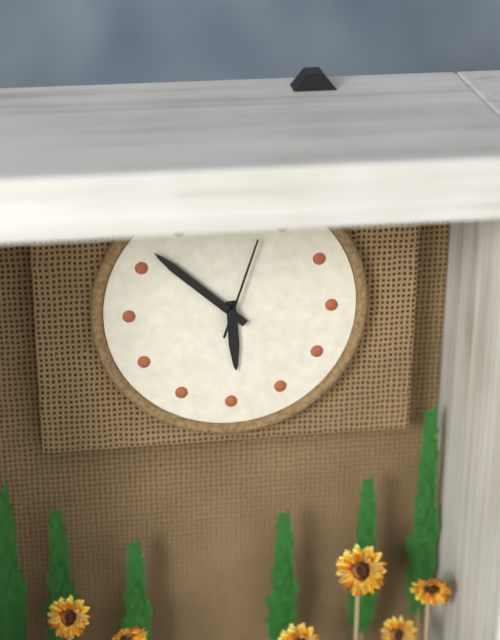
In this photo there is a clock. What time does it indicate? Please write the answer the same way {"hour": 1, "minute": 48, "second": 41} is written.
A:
{"hour": 5, "minute": 52, "second": 3}
